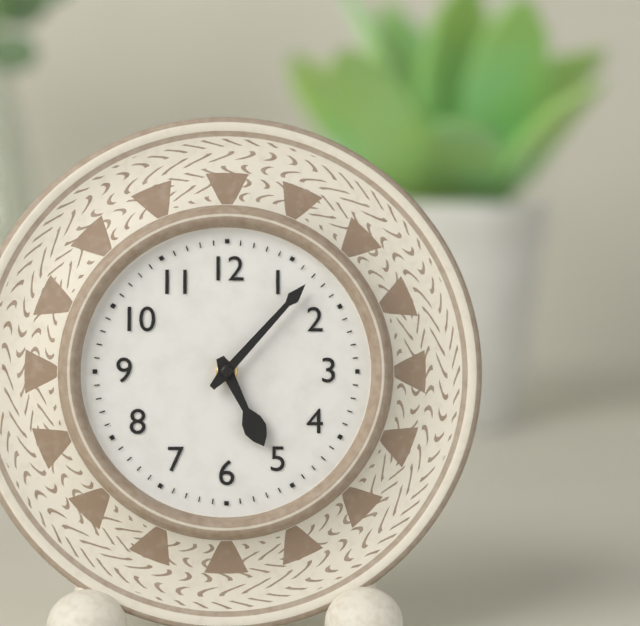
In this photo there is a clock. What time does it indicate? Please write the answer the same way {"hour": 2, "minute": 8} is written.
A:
{"hour": 5, "minute": 7}
